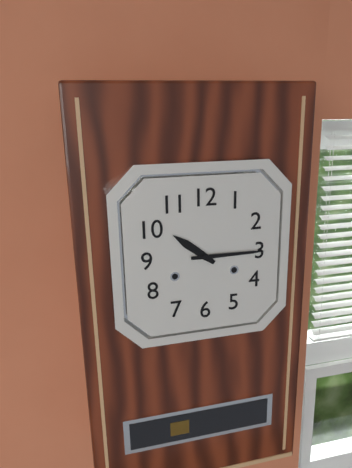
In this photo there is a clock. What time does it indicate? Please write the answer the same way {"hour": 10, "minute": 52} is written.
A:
{"hour": 10, "minute": 15}
